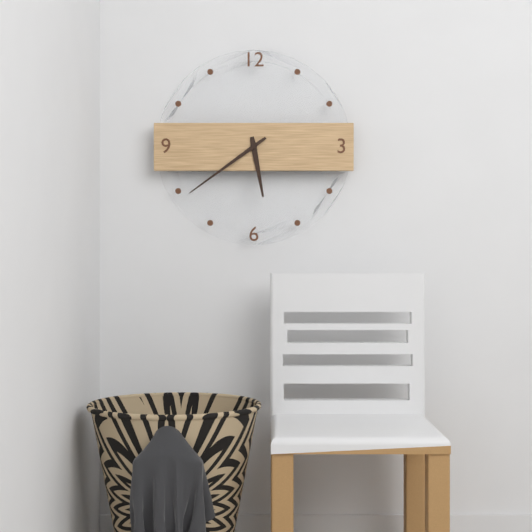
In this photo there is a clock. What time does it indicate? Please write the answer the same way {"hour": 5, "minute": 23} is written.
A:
{"hour": 5, "minute": 39}
